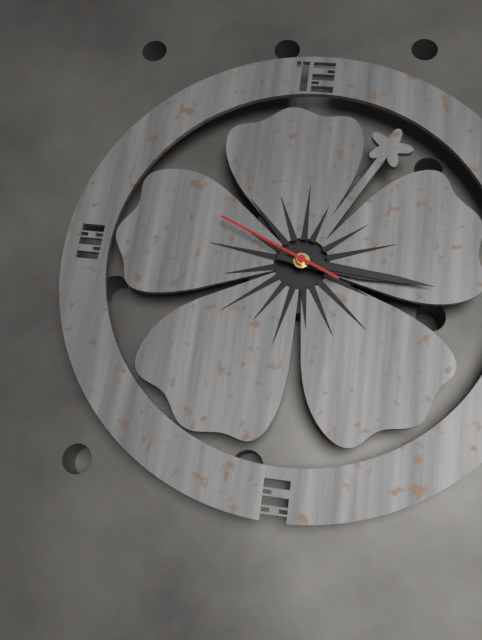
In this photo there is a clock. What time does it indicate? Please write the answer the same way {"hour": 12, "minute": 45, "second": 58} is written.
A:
{"hour": 3, "minute": 16, "second": 49}
